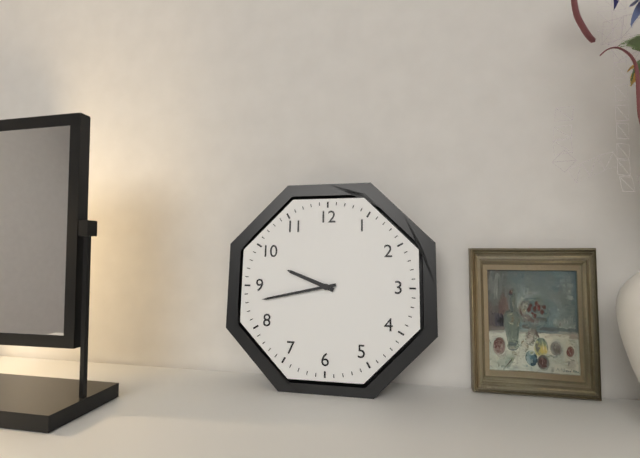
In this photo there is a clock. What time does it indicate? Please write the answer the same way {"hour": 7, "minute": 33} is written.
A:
{"hour": 9, "minute": 43}
